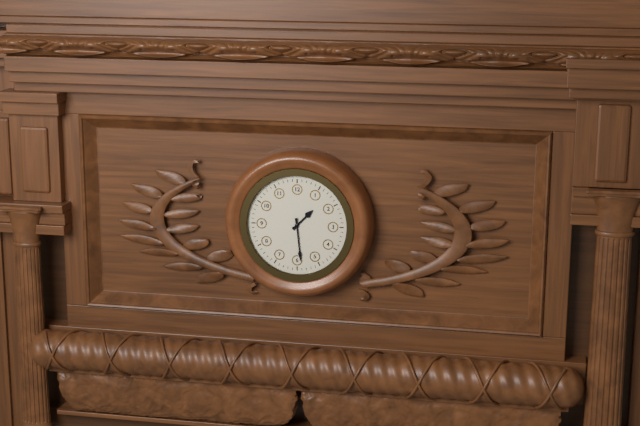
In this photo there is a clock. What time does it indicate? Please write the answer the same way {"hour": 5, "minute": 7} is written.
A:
{"hour": 1, "minute": 29}
